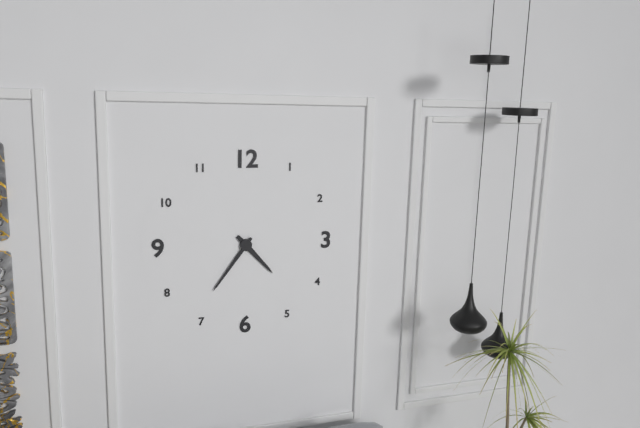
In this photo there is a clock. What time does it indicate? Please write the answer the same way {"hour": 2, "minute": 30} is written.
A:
{"hour": 4, "minute": 36}
